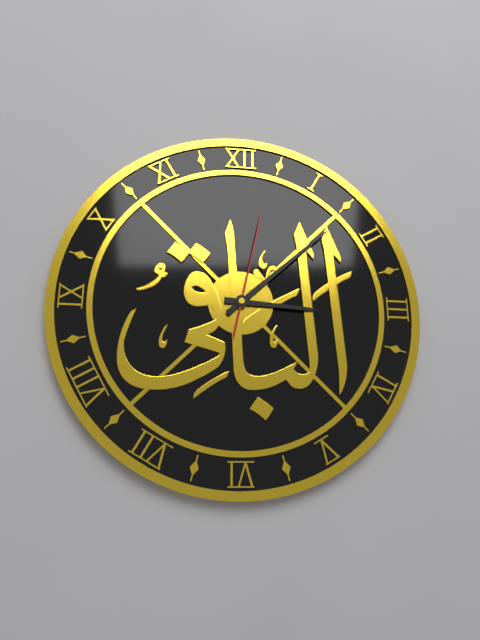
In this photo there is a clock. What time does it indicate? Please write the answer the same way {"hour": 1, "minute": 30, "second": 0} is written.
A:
{"hour": 3, "minute": 8, "second": 2}
